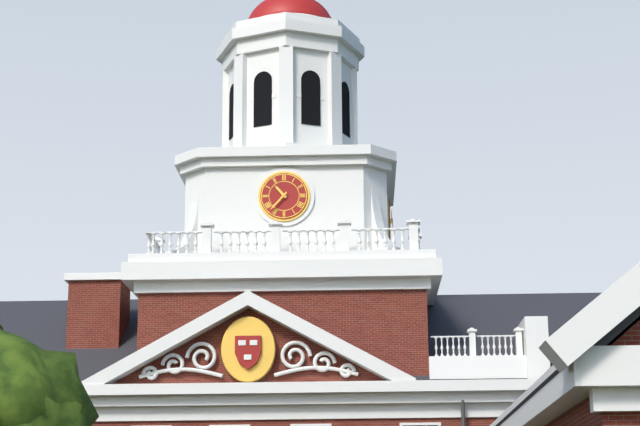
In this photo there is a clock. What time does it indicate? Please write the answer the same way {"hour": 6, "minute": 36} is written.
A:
{"hour": 10, "minute": 37}
